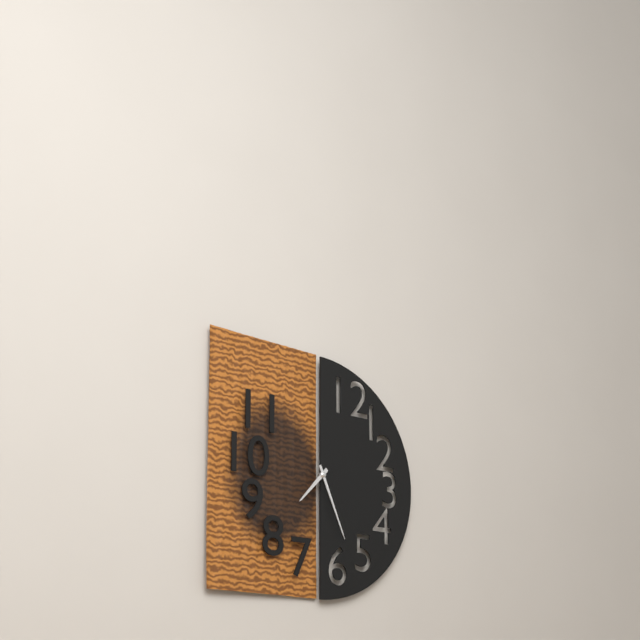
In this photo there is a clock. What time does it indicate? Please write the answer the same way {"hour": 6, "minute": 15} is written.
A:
{"hour": 7, "minute": 26}
